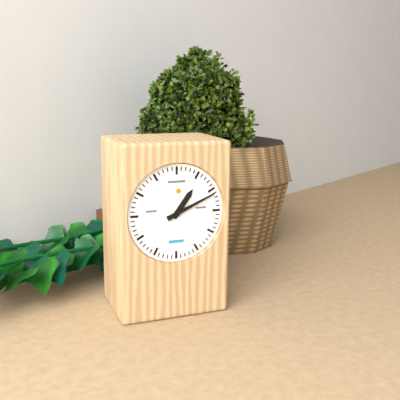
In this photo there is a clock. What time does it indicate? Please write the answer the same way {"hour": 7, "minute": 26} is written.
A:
{"hour": 1, "minute": 11}
